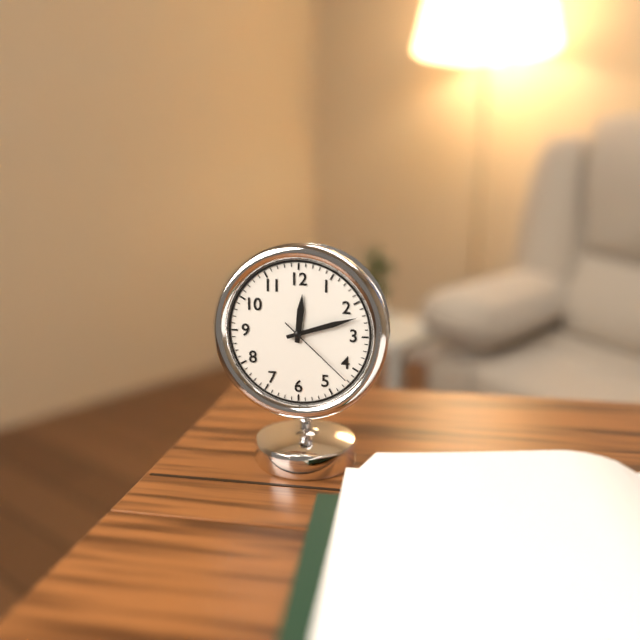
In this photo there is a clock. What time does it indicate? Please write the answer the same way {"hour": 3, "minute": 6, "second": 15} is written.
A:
{"hour": 12, "minute": 12, "second": 22}
